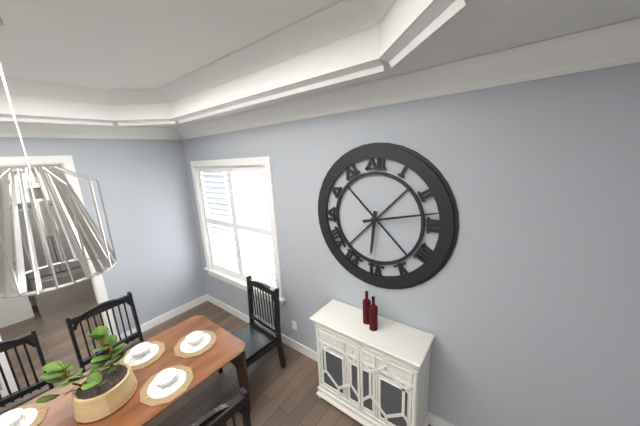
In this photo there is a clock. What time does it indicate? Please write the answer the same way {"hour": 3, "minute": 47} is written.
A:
{"hour": 6, "minute": 13}
